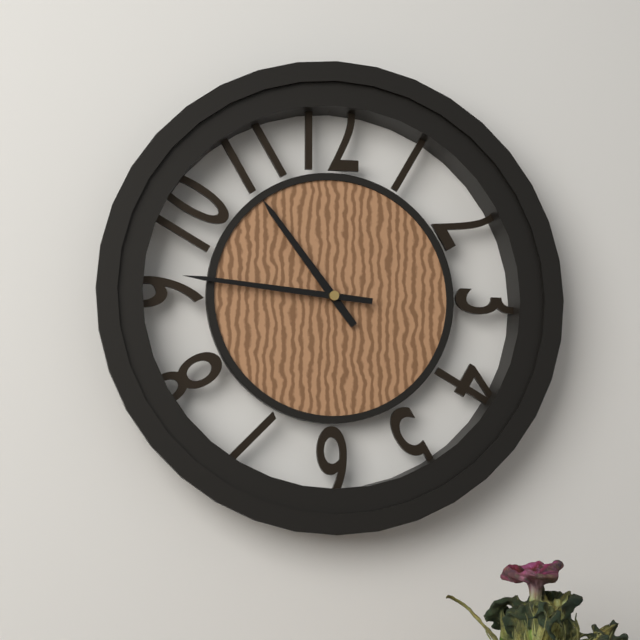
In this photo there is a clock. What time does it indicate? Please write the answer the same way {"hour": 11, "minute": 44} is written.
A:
{"hour": 10, "minute": 46}
